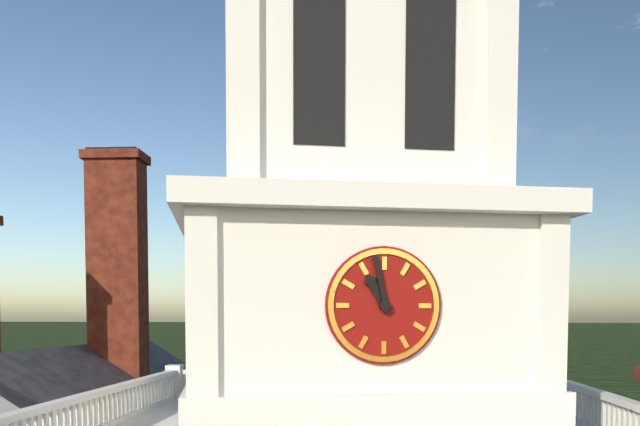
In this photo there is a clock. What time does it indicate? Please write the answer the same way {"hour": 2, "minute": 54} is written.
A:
{"hour": 10, "minute": 58}
